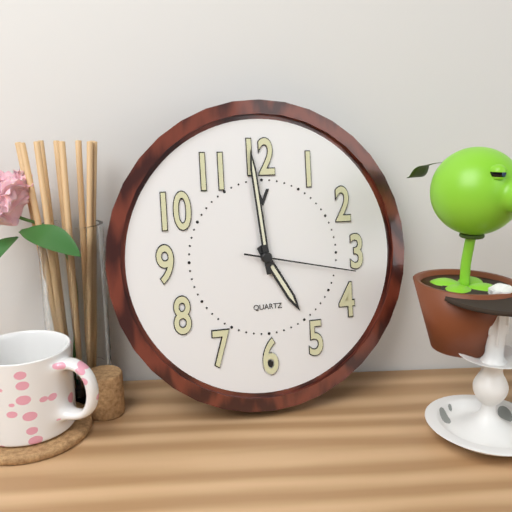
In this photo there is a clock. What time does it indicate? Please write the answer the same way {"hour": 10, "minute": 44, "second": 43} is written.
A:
{"hour": 4, "minute": 59, "second": 17}
